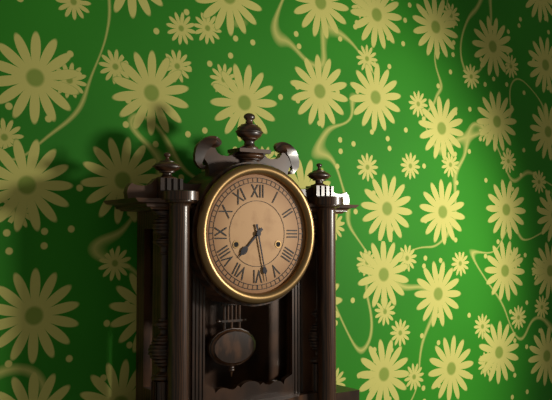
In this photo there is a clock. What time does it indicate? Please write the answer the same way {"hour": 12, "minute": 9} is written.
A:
{"hour": 7, "minute": 28}
